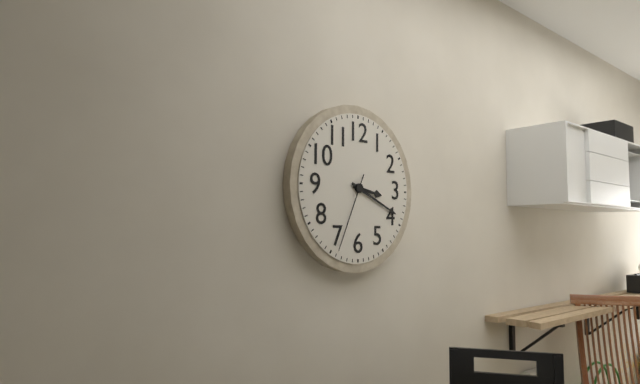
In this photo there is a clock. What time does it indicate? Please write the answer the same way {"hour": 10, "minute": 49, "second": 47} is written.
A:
{"hour": 3, "minute": 19, "second": 34}
